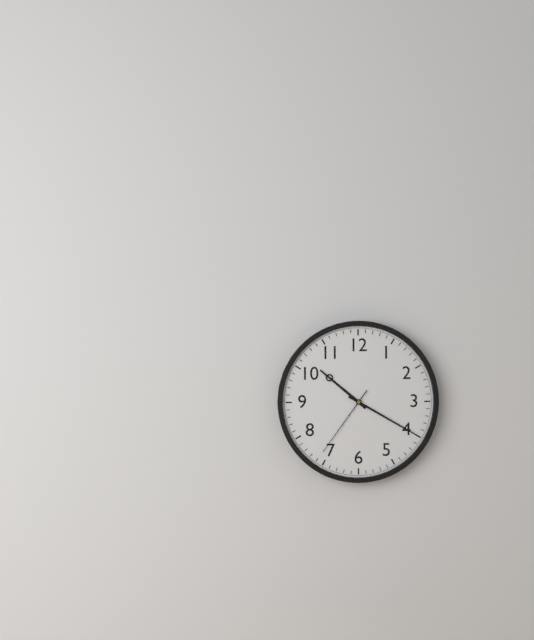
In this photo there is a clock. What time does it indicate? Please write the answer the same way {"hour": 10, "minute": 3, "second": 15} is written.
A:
{"hour": 10, "minute": 20, "second": 36}
